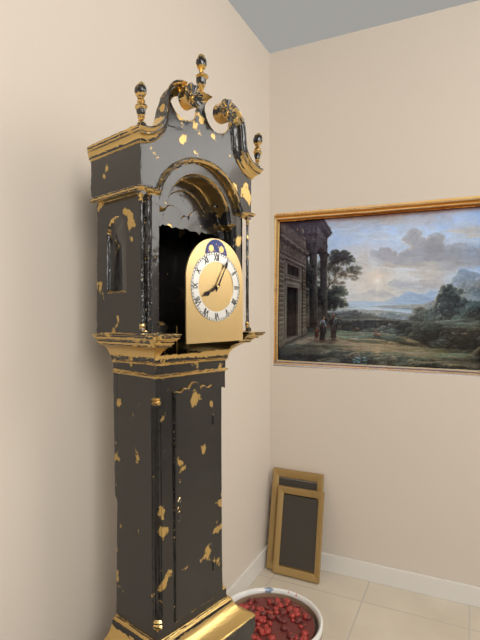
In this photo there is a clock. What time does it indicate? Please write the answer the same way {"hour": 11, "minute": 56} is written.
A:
{"hour": 8, "minute": 5}
